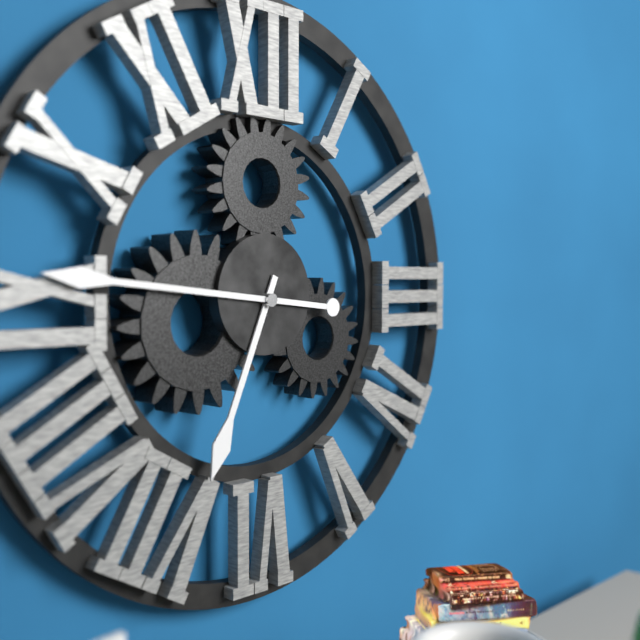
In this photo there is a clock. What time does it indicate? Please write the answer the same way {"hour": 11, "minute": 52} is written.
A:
{"hour": 6, "minute": 46}
